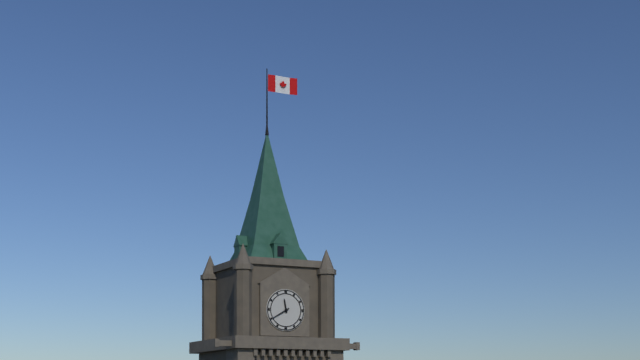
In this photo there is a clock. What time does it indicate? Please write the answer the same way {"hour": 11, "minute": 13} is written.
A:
{"hour": 11, "minute": 40}
